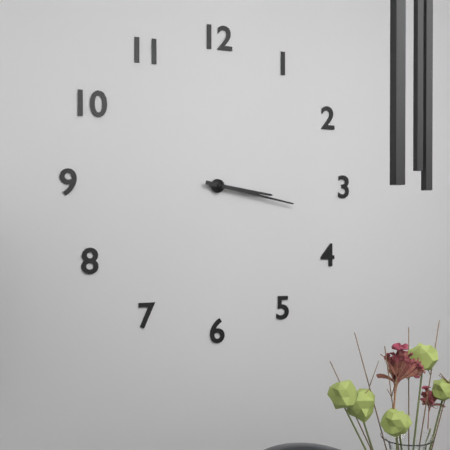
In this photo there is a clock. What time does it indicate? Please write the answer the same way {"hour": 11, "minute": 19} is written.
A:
{"hour": 3, "minute": 17}
